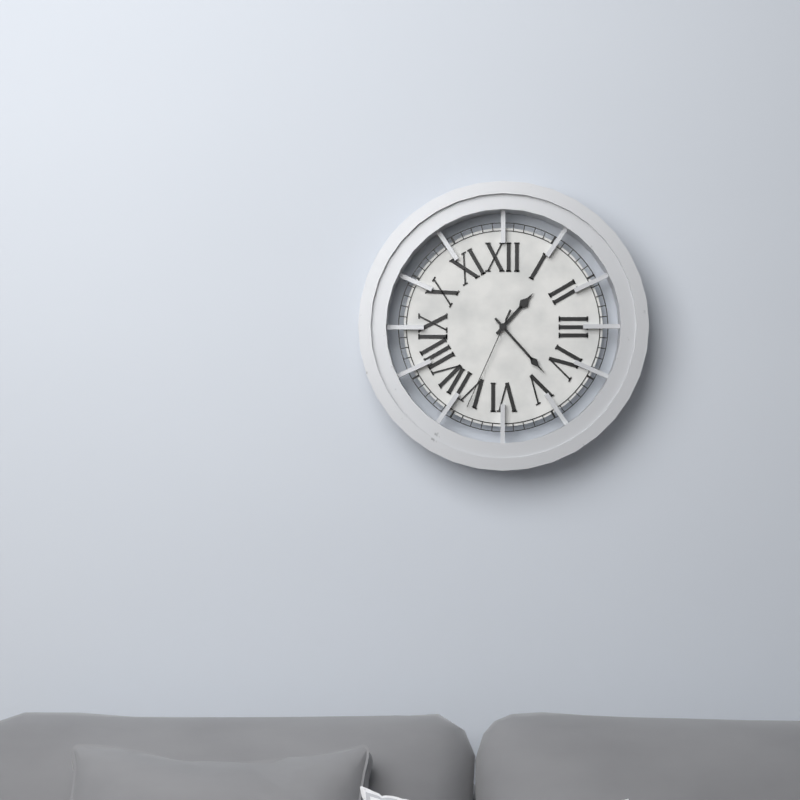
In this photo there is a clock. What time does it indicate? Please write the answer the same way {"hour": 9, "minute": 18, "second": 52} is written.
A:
{"hour": 1, "minute": 23, "second": 34}
